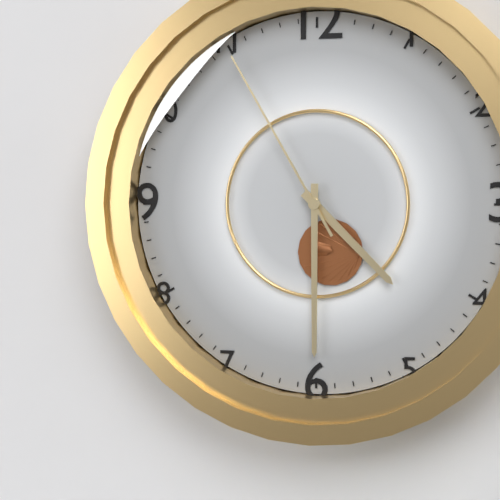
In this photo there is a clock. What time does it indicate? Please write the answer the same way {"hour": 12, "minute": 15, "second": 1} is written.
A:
{"hour": 4, "minute": 30, "second": 55}
